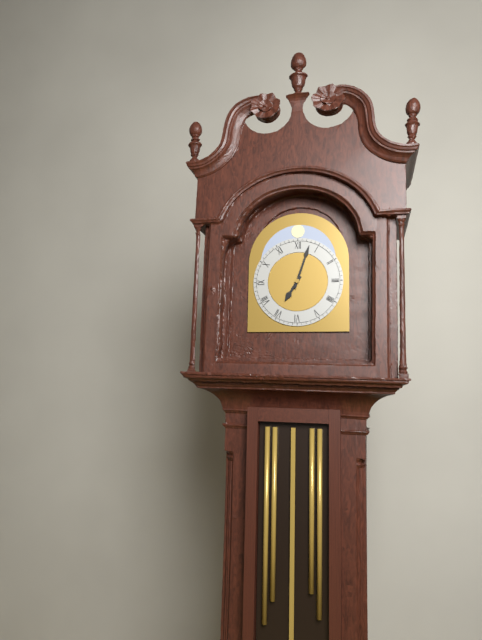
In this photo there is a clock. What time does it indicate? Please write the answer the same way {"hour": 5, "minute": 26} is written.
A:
{"hour": 7, "minute": 3}
